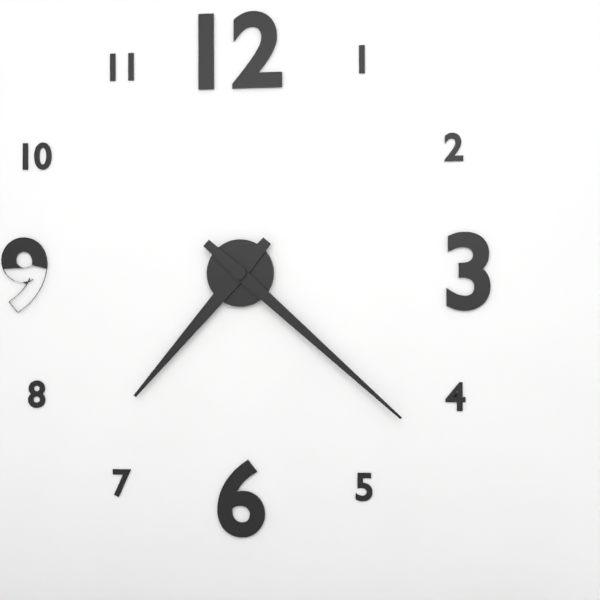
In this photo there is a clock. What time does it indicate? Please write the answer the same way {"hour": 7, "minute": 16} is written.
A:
{"hour": 7, "minute": 22}
